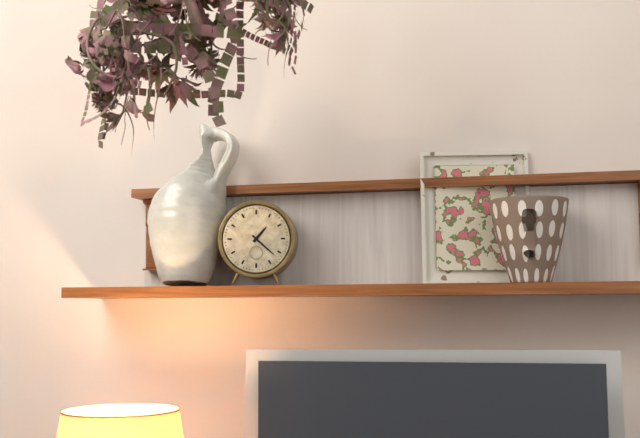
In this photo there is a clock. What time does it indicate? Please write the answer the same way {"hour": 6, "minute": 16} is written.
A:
{"hour": 1, "minute": 22}
